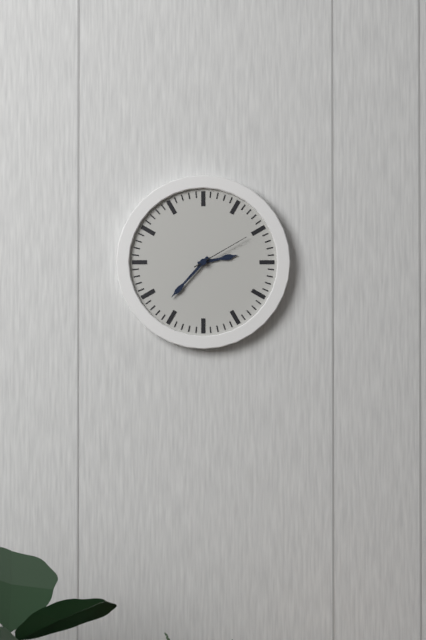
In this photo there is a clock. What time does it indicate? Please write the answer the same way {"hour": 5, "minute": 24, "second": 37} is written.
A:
{"hour": 2, "minute": 37, "second": 10}
